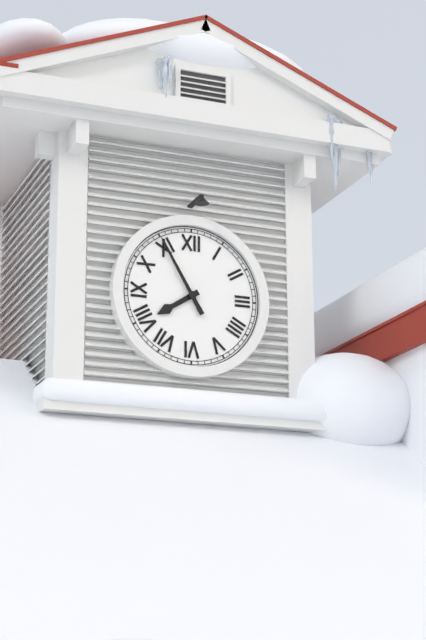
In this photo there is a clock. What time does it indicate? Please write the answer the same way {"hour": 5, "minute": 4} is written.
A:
{"hour": 7, "minute": 55}
